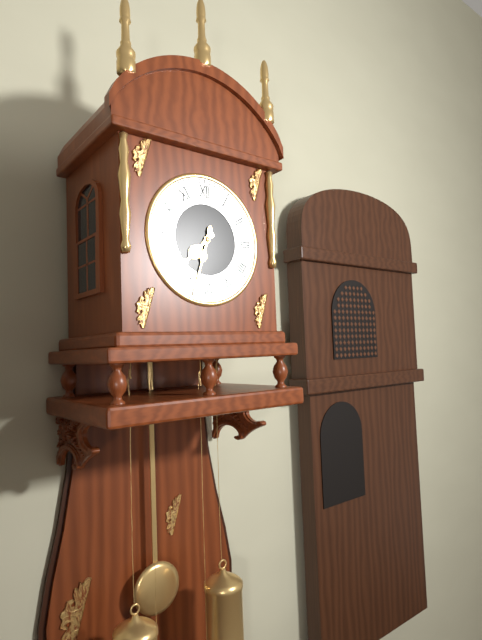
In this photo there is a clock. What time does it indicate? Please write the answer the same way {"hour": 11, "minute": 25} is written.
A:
{"hour": 7, "minute": 33}
